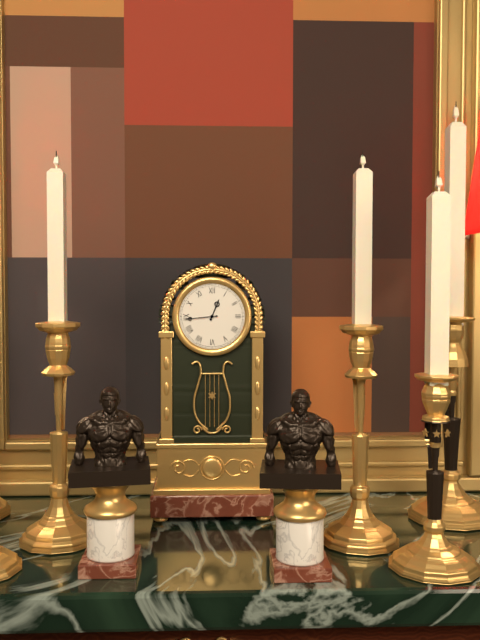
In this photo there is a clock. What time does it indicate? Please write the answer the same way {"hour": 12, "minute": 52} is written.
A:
{"hour": 12, "minute": 44}
